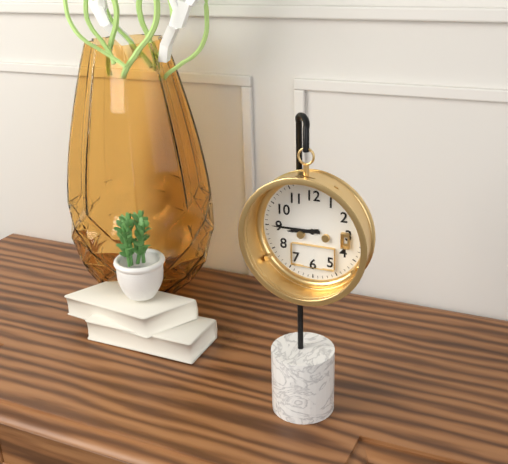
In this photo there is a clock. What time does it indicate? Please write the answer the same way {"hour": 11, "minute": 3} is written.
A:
{"hour": 8, "minute": 45}
